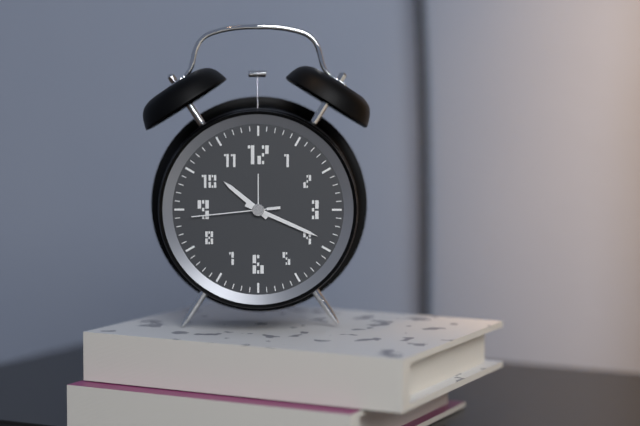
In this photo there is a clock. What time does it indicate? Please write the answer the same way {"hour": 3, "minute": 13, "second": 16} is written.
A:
{"hour": 10, "minute": 19, "second": 44}
